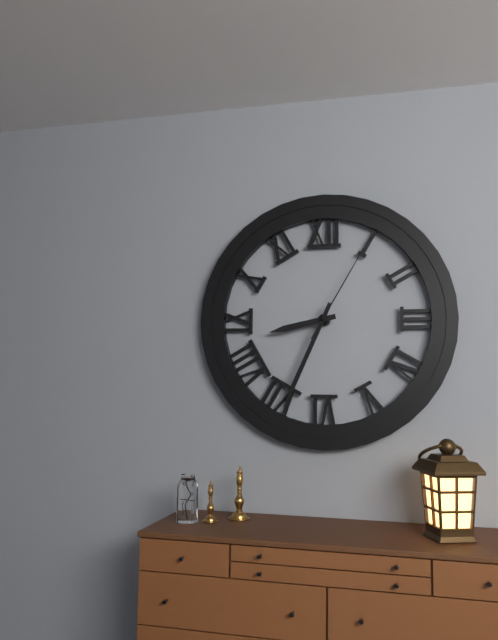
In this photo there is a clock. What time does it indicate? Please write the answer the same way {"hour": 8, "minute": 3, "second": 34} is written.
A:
{"hour": 8, "minute": 34, "second": 5}
